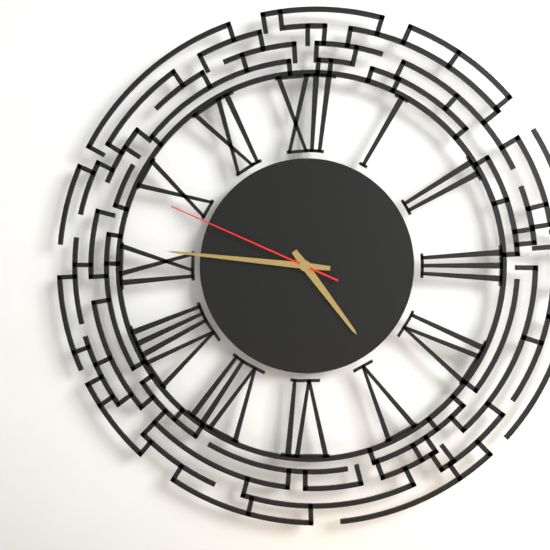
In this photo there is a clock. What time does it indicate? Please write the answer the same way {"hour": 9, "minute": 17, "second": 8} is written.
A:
{"hour": 4, "minute": 46, "second": 49}
